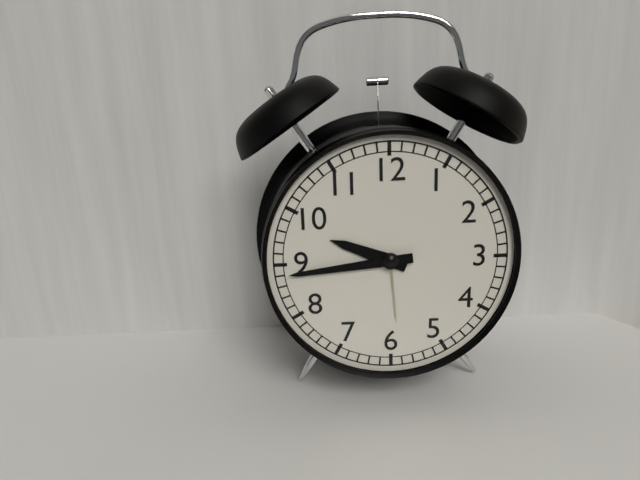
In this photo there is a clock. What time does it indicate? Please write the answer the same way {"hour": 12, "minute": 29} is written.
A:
{"hour": 9, "minute": 44}
